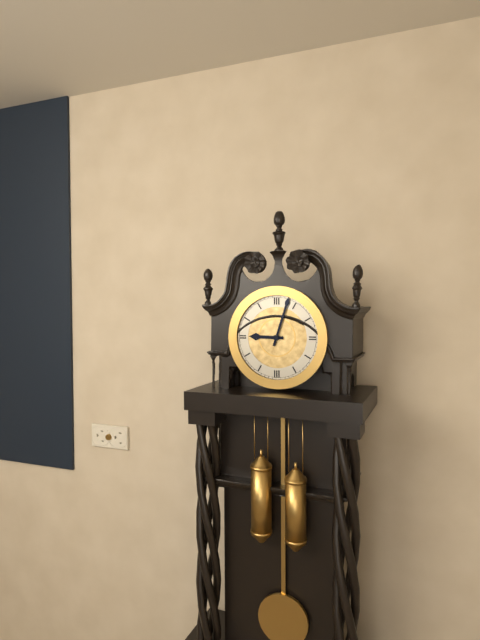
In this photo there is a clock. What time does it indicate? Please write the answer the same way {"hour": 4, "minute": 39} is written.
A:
{"hour": 9, "minute": 3}
